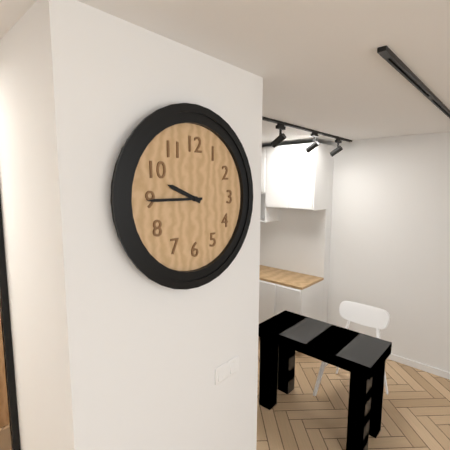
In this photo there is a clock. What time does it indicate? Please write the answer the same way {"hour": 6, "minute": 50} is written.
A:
{"hour": 9, "minute": 45}
